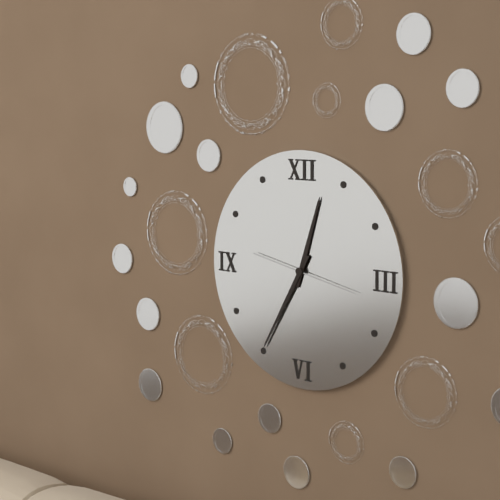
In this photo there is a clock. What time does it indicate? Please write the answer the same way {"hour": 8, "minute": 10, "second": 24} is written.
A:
{"hour": 12, "minute": 35, "second": 17}
